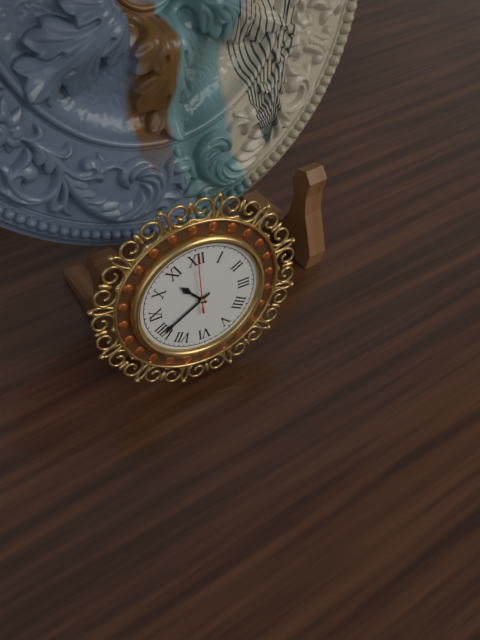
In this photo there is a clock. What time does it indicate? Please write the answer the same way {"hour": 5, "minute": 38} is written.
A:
{"hour": 10, "minute": 40}
